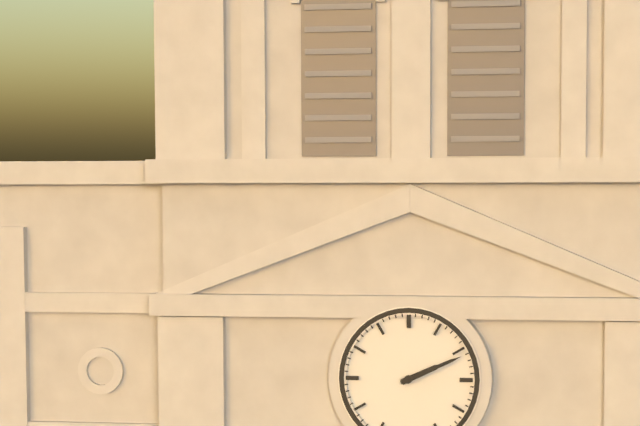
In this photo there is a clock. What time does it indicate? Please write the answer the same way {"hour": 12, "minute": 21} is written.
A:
{"hour": 2, "minute": 11}
